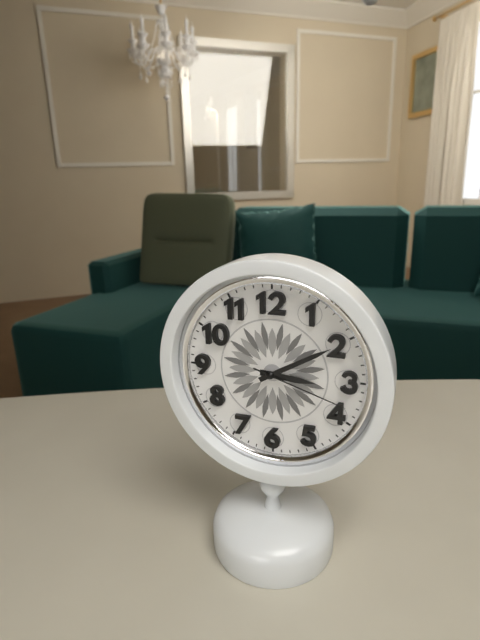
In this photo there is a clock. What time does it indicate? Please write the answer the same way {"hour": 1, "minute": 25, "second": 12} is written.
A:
{"hour": 3, "minute": 10, "second": 18}
